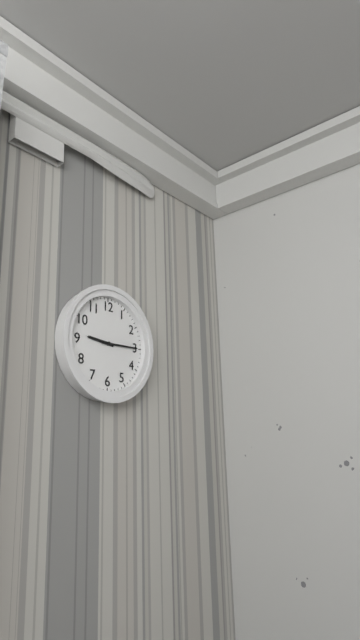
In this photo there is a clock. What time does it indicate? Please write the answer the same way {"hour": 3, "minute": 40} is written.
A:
{"hour": 9, "minute": 15}
